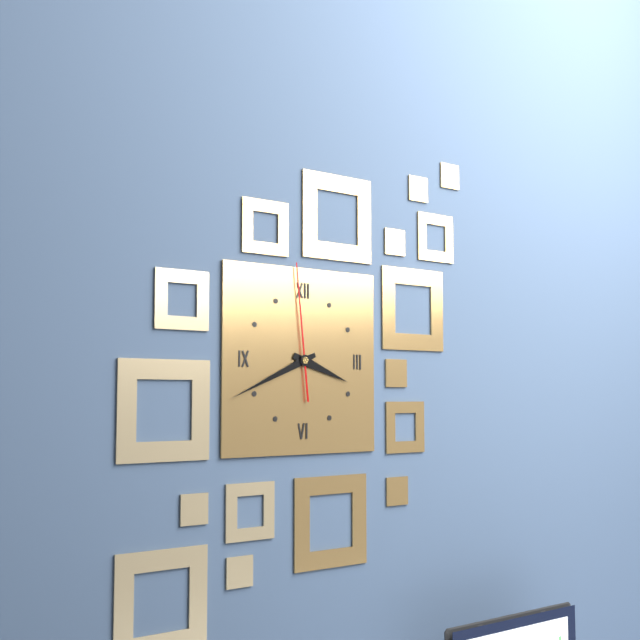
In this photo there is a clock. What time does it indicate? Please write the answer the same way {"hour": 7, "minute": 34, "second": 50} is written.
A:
{"hour": 3, "minute": 41, "second": 59}
